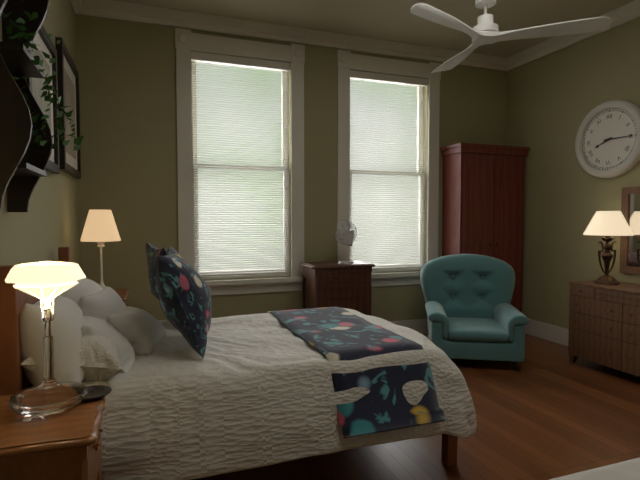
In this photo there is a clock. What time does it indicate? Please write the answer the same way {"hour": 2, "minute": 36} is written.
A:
{"hour": 8, "minute": 15}
